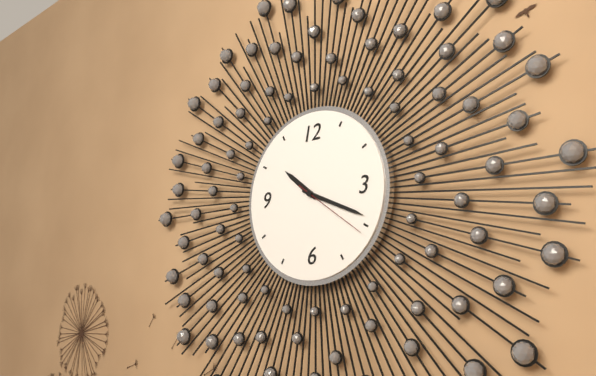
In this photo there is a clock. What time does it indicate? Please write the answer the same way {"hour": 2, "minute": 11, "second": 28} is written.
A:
{"hour": 10, "minute": 19, "second": 21}
